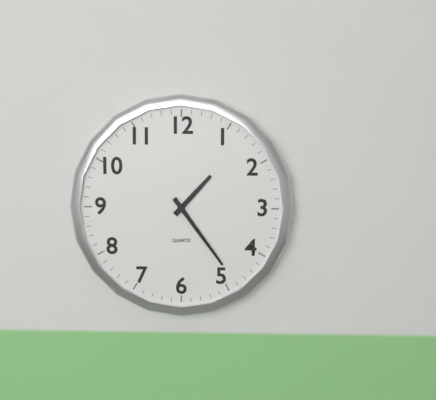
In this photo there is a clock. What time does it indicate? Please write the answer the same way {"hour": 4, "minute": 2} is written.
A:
{"hour": 1, "minute": 24}
